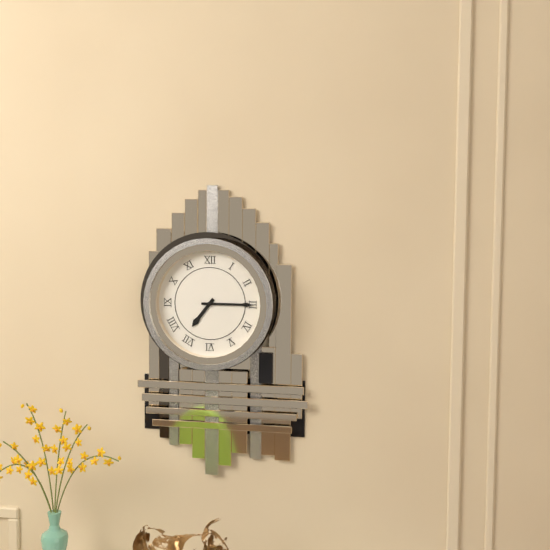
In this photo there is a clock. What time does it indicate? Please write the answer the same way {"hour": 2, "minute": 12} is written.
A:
{"hour": 7, "minute": 15}
